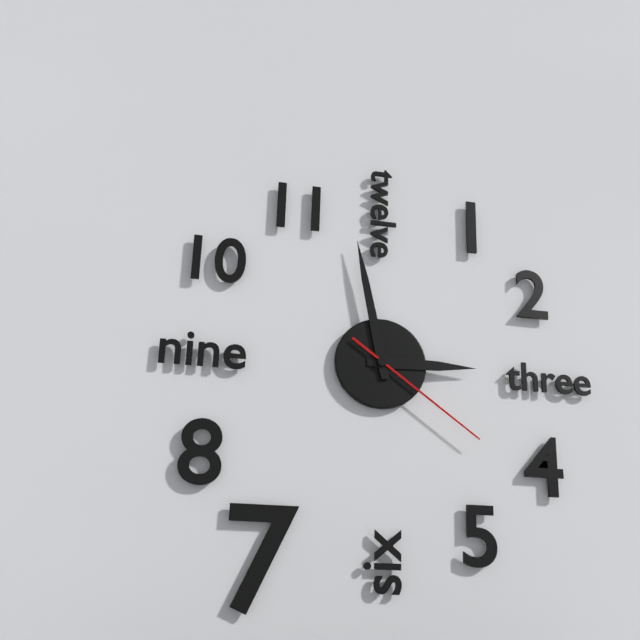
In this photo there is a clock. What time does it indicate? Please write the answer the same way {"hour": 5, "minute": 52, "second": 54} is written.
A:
{"hour": 2, "minute": 58, "second": 21}
